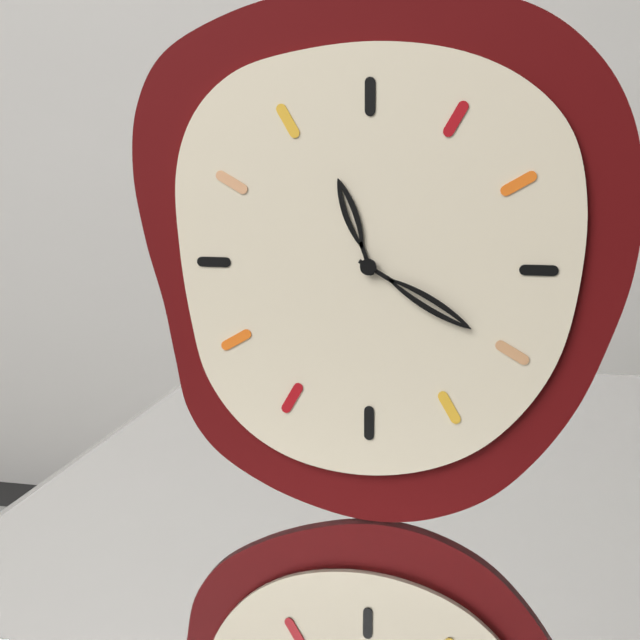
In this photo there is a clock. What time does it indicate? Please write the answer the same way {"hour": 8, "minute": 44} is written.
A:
{"hour": 11, "minute": 20}
